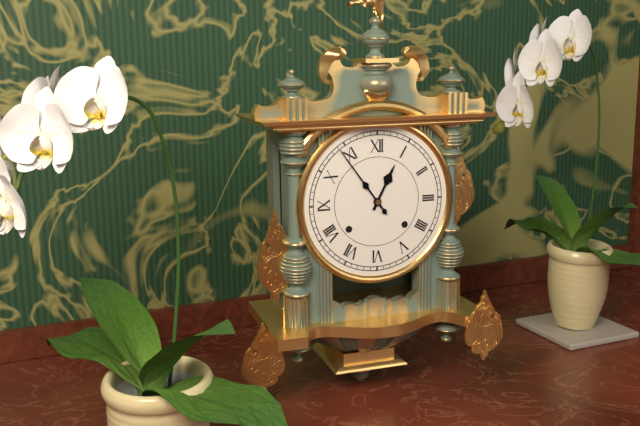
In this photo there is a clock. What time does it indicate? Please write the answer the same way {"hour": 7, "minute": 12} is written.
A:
{"hour": 12, "minute": 54}
